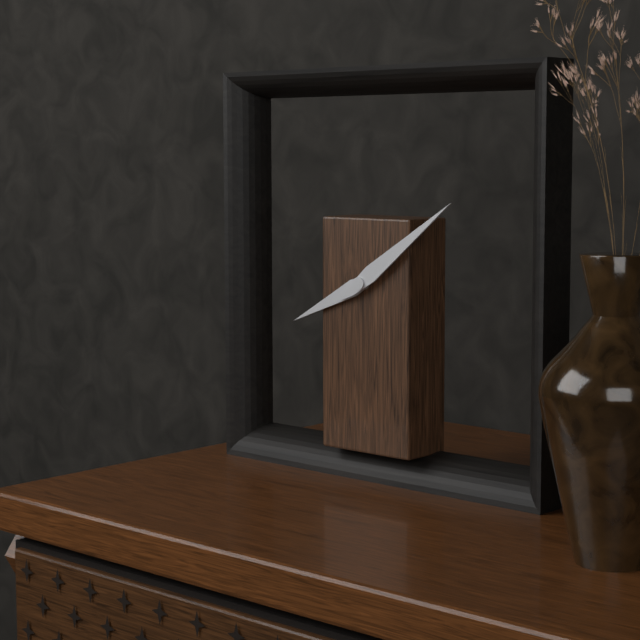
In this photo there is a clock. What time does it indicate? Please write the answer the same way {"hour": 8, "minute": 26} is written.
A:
{"hour": 8, "minute": 9}
